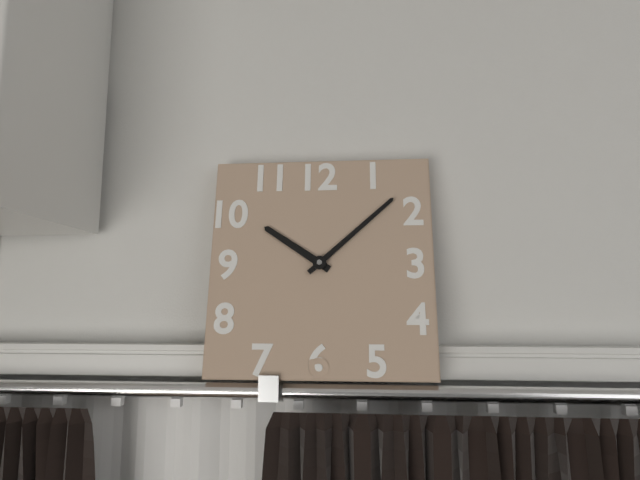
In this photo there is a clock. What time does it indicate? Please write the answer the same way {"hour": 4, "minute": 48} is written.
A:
{"hour": 10, "minute": 8}
